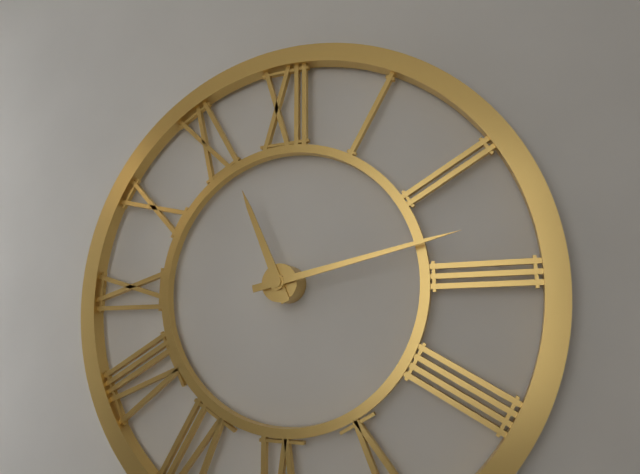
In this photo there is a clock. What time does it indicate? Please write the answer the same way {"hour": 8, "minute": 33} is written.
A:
{"hour": 11, "minute": 13}
